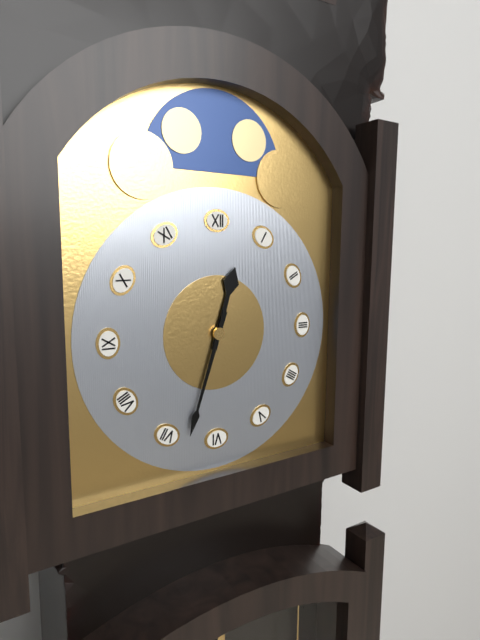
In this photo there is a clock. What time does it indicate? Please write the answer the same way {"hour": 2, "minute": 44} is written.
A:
{"hour": 12, "minute": 33}
